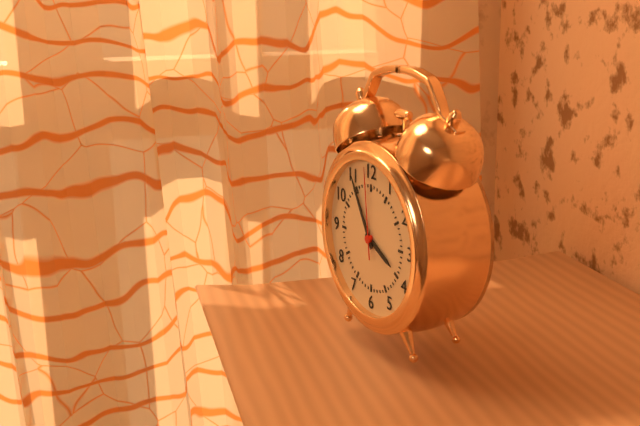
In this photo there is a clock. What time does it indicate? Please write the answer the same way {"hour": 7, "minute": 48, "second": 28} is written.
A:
{"hour": 3, "minute": 55, "second": 59}
